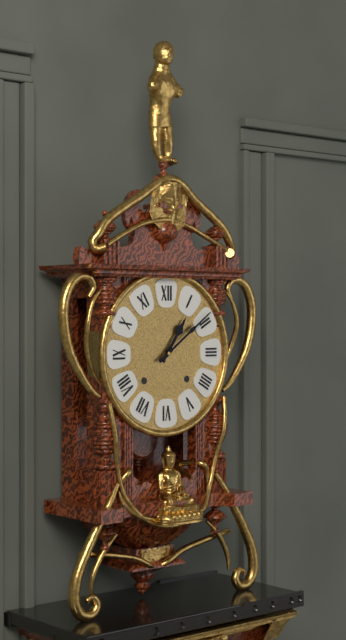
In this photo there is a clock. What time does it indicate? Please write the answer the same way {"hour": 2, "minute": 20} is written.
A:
{"hour": 1, "minute": 9}
